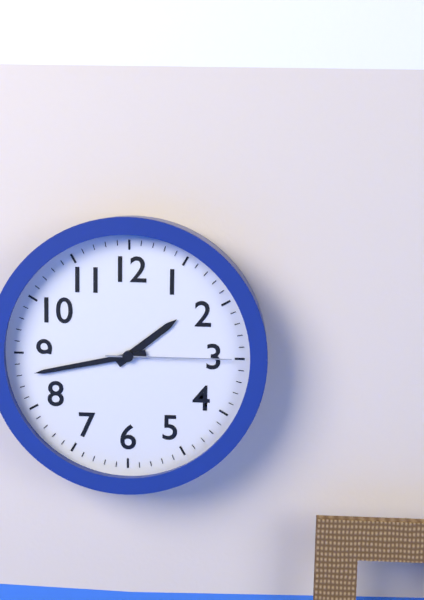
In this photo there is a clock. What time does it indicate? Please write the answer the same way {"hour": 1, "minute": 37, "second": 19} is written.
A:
{"hour": 1, "minute": 43, "second": 15}
